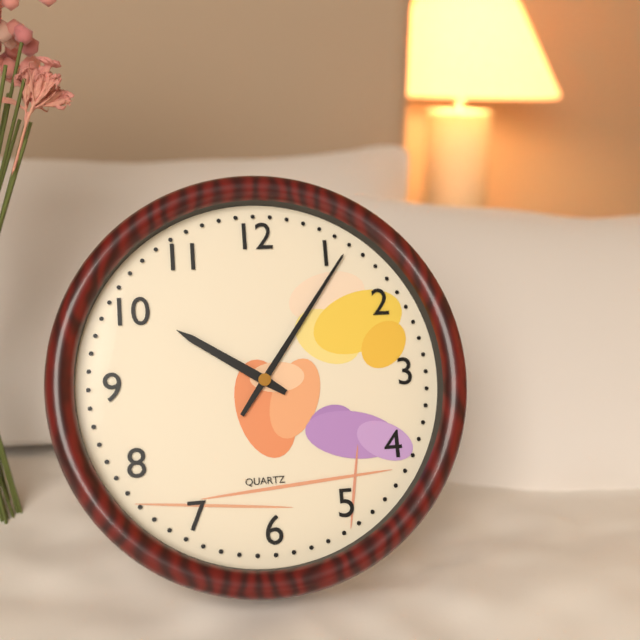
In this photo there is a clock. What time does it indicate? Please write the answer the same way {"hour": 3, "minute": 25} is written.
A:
{"hour": 10, "minute": 6}
